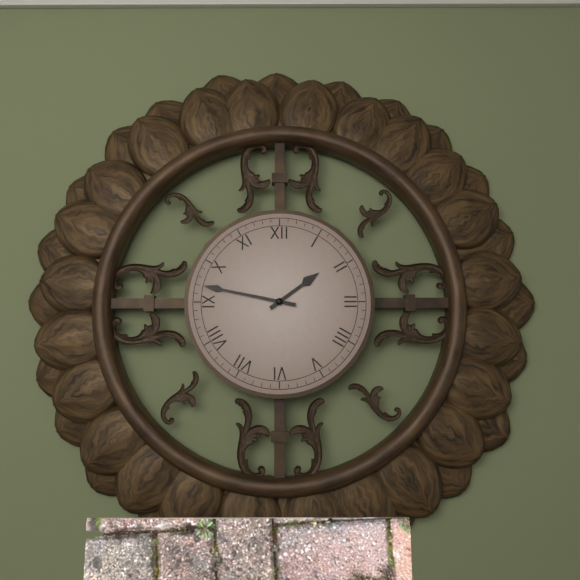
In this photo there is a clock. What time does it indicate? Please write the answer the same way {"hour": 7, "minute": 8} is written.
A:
{"hour": 1, "minute": 47}
